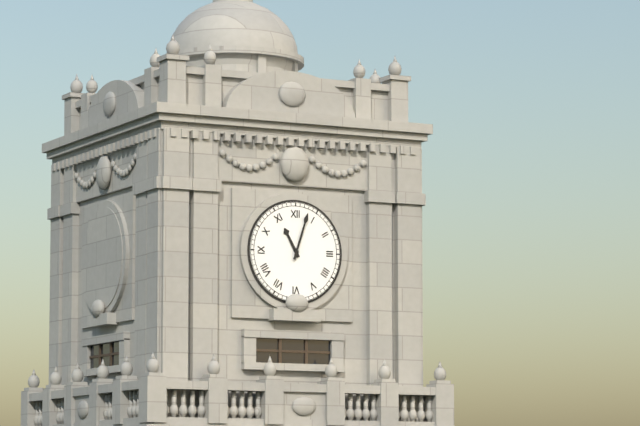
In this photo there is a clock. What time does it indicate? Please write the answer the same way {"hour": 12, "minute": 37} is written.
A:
{"hour": 11, "minute": 3}
